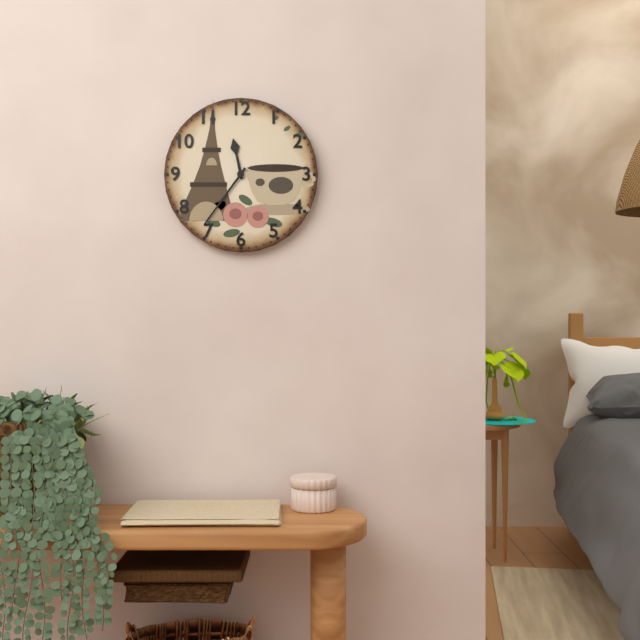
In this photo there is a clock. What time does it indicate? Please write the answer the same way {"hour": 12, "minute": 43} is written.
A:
{"hour": 11, "minute": 36}
